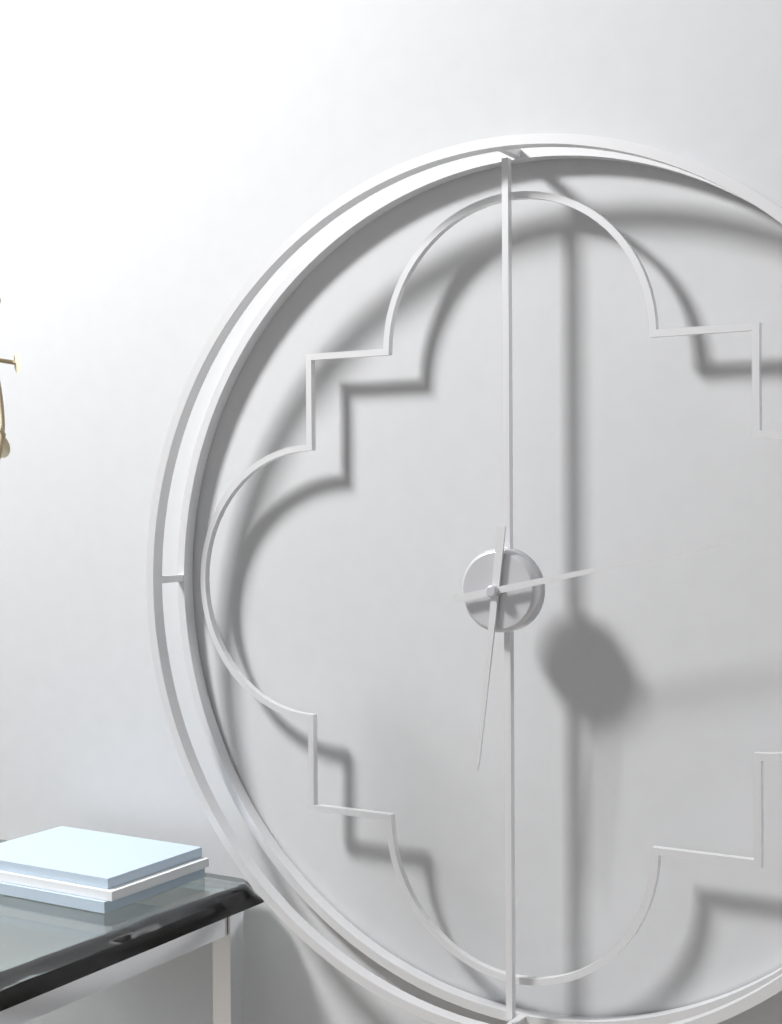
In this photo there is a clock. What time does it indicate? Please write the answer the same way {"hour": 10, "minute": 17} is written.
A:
{"hour": 6, "minute": 13}
